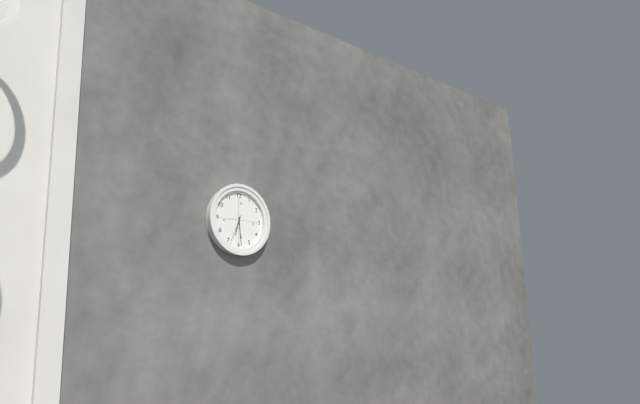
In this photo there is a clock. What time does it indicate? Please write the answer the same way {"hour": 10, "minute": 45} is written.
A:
{"hour": 6, "minute": 29}
